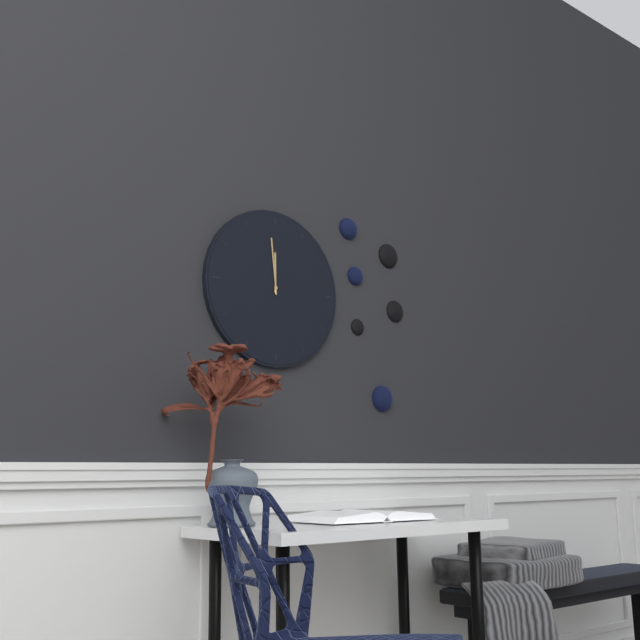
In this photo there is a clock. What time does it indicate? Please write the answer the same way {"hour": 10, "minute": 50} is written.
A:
{"hour": 11, "minute": 59}
